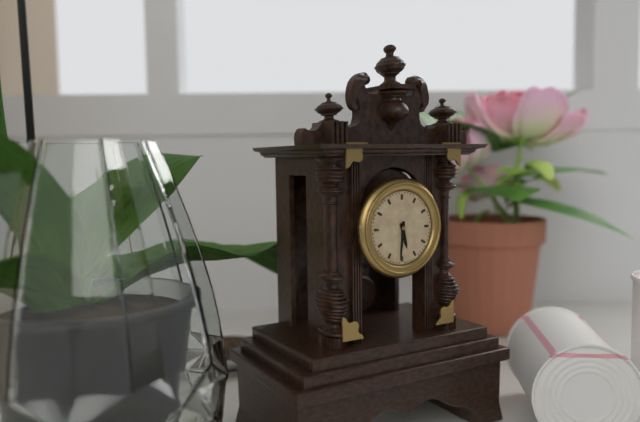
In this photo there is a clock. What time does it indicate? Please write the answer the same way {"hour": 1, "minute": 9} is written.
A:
{"hour": 5, "minute": 31}
